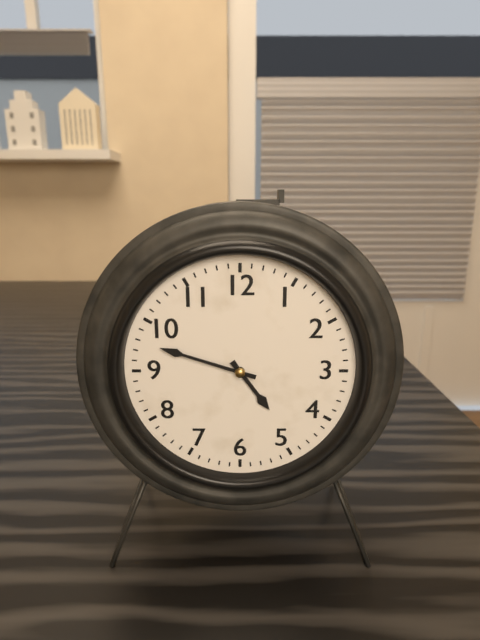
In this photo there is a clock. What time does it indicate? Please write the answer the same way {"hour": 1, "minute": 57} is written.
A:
{"hour": 4, "minute": 48}
